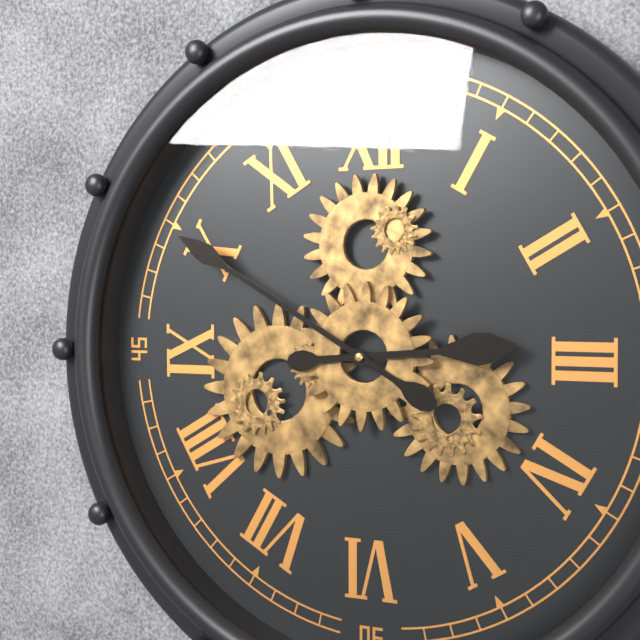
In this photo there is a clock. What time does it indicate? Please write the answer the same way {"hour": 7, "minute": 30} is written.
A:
{"hour": 2, "minute": 50}
